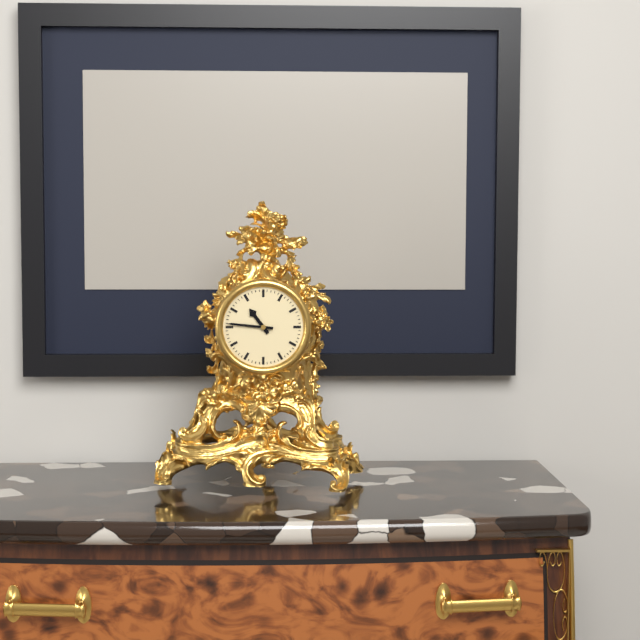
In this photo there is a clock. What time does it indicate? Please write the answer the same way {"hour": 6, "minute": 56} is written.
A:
{"hour": 10, "minute": 46}
